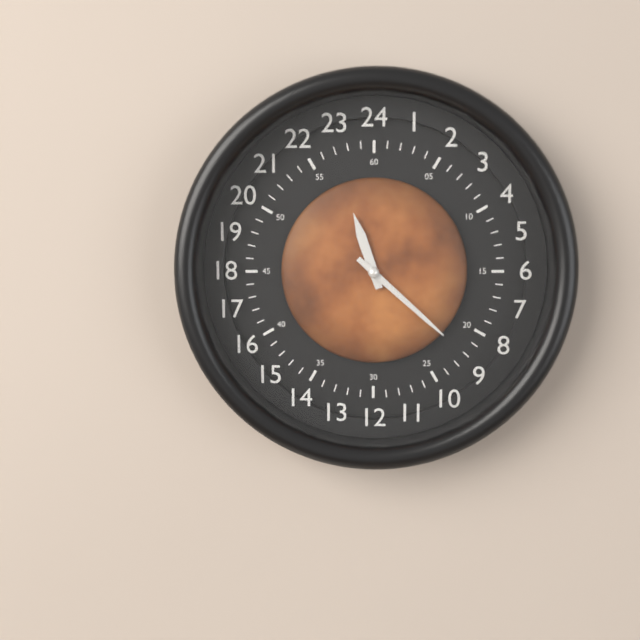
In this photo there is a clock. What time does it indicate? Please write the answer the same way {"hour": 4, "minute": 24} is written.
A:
{"hour": 11, "minute": 22}
